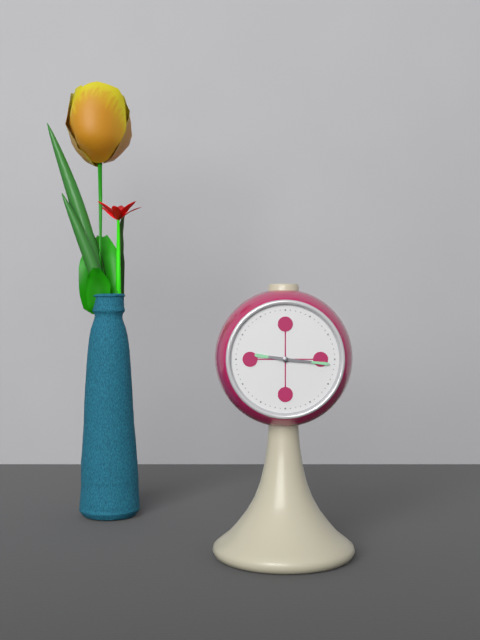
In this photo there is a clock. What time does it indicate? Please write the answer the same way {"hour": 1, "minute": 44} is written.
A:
{"hour": 9, "minute": 16}
